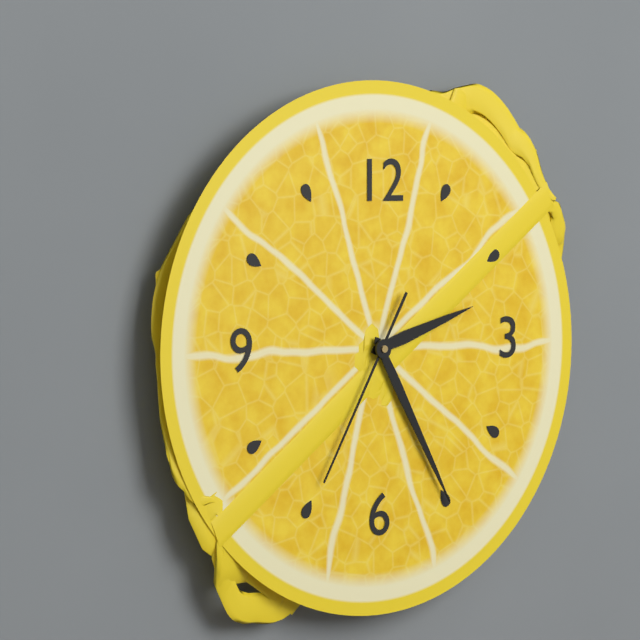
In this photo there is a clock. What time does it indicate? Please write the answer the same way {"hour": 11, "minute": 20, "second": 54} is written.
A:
{"hour": 2, "minute": 25, "second": 35}
